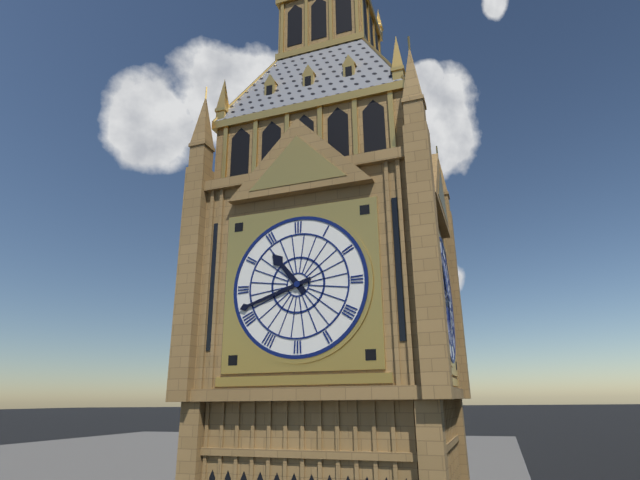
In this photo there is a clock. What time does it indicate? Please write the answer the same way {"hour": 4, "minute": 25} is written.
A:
{"hour": 10, "minute": 42}
